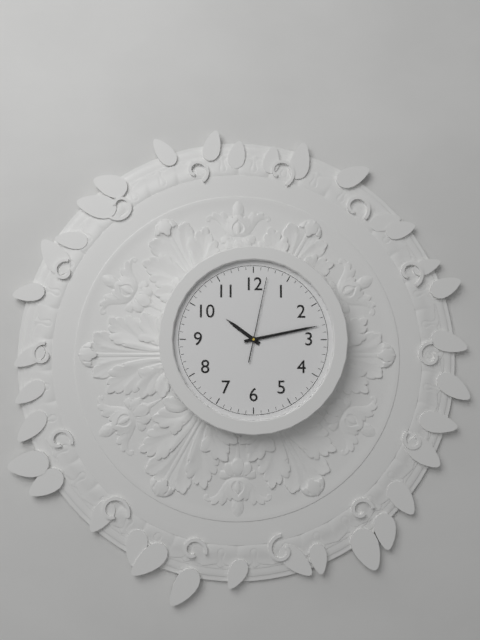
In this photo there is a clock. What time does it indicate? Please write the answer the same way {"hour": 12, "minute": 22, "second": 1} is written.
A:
{"hour": 10, "minute": 13, "second": 2}
